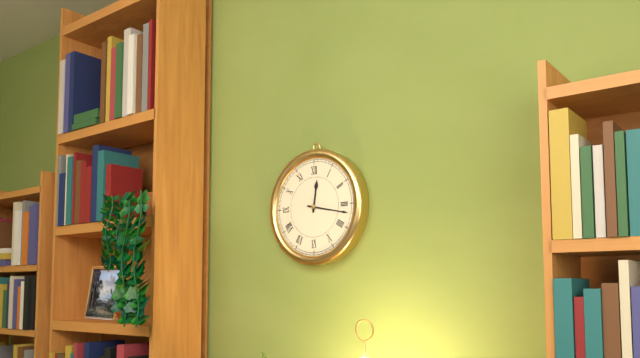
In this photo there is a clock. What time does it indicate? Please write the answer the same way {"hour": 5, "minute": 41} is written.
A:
{"hour": 12, "minute": 17}
